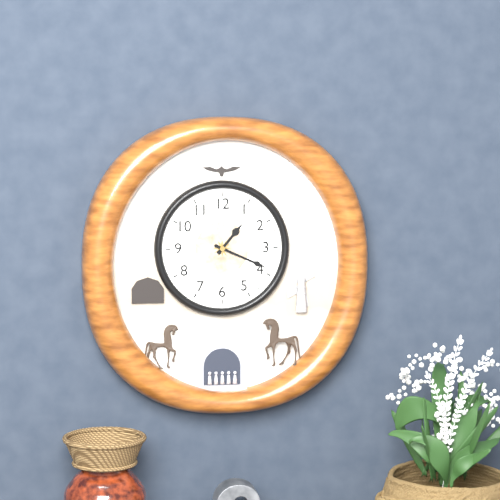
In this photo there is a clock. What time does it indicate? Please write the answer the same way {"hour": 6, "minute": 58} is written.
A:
{"hour": 1, "minute": 19}
